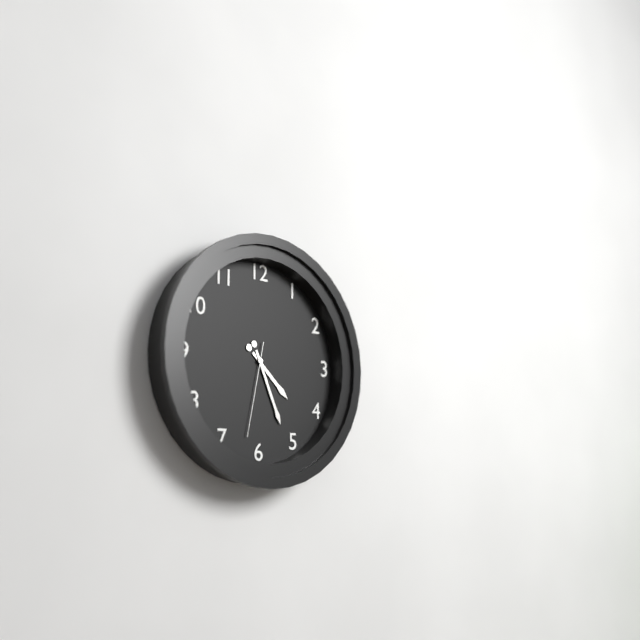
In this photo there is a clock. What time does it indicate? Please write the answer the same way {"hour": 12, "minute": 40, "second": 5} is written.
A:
{"hour": 4, "minute": 26, "second": 32}
